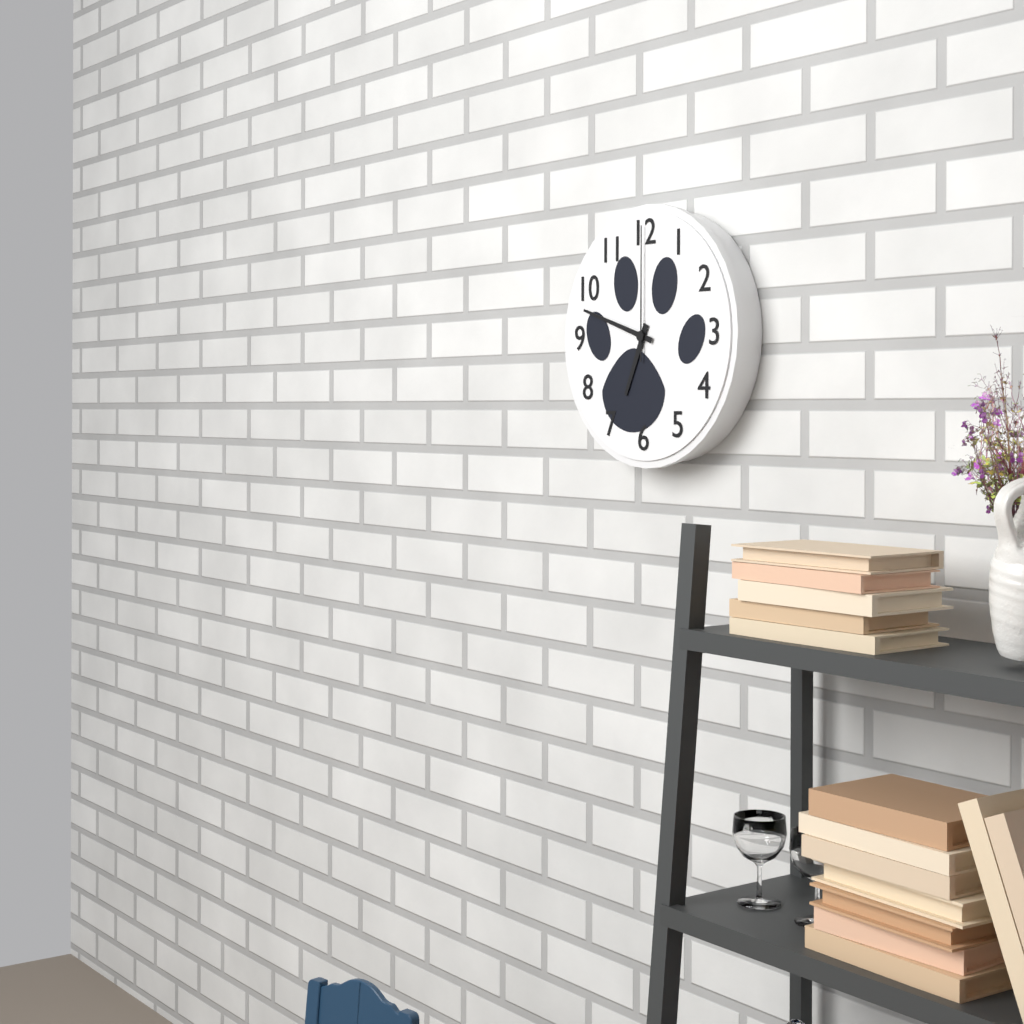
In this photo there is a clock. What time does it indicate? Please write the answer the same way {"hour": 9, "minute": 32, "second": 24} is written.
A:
{"hour": 6, "minute": 48, "second": 0}
